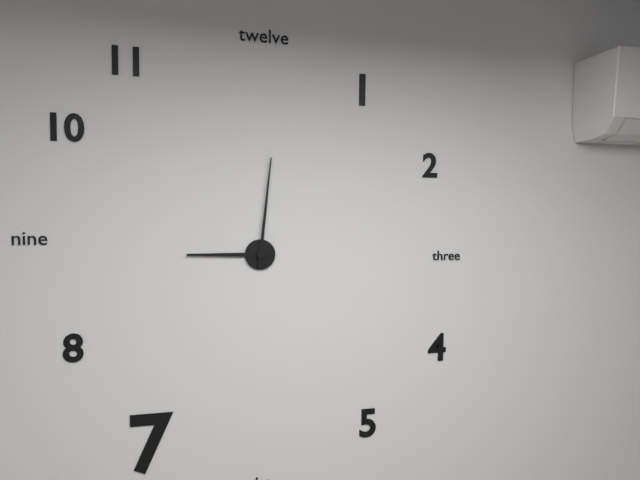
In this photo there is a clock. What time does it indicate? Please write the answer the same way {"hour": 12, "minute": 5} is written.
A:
{"hour": 9, "minute": 1}
